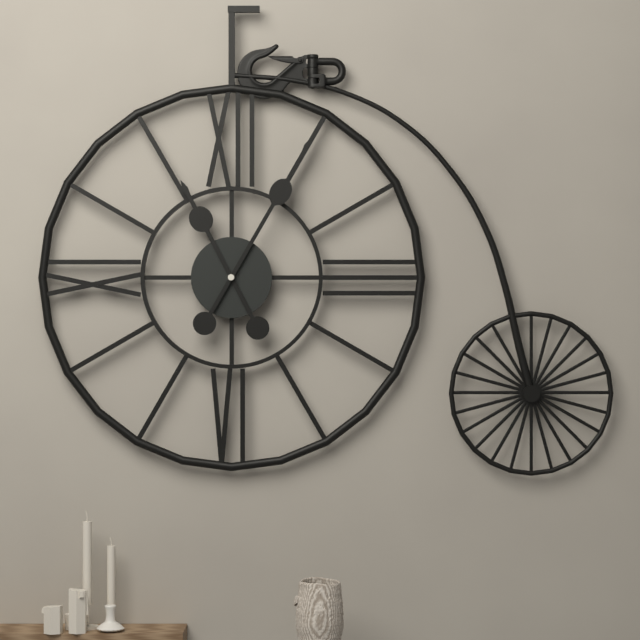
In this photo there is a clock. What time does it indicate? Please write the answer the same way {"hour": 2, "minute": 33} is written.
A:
{"hour": 11, "minute": 5}
